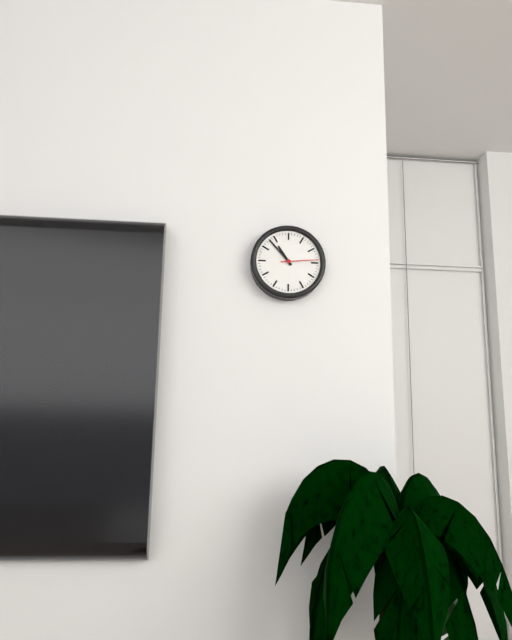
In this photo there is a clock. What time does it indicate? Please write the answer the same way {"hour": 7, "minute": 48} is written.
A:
{"hour": 10, "minute": 53}
